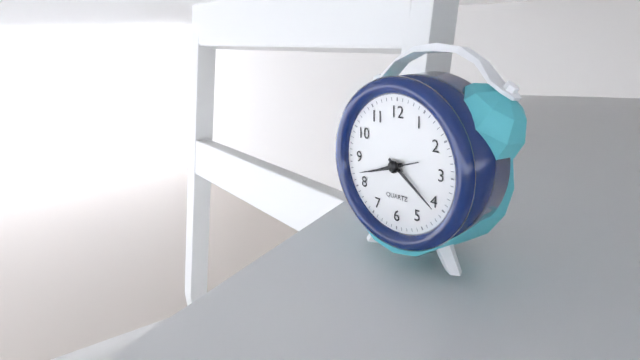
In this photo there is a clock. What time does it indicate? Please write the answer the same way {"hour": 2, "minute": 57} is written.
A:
{"hour": 8, "minute": 21}
